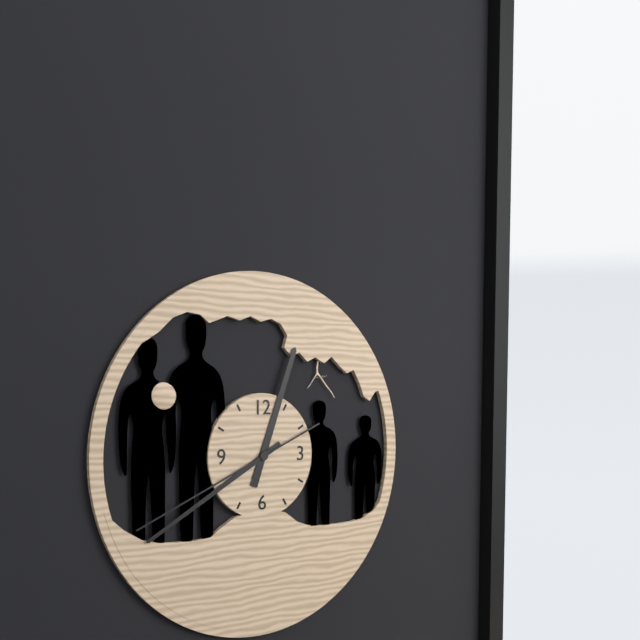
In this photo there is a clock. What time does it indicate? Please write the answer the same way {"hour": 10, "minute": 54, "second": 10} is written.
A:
{"hour": 12, "minute": 40, "second": 41}
